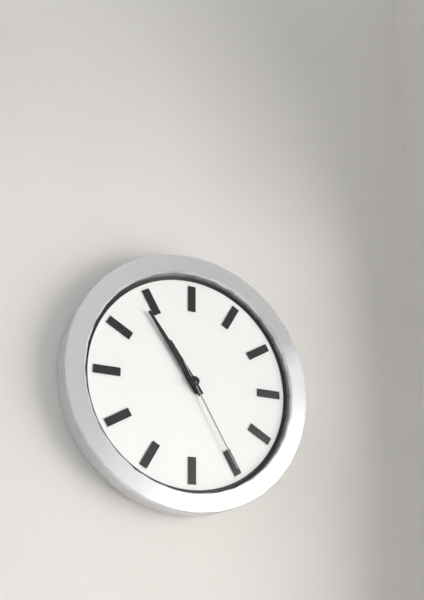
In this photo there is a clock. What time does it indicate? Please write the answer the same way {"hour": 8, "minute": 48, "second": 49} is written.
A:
{"hour": 10, "minute": 54, "second": 25}
